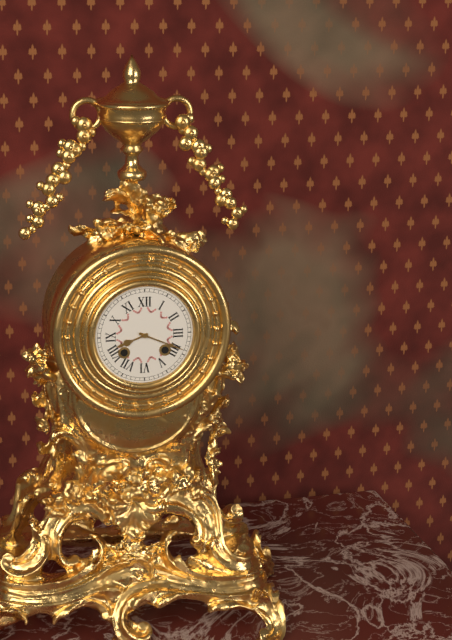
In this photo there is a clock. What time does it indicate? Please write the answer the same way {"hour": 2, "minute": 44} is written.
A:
{"hour": 8, "minute": 19}
